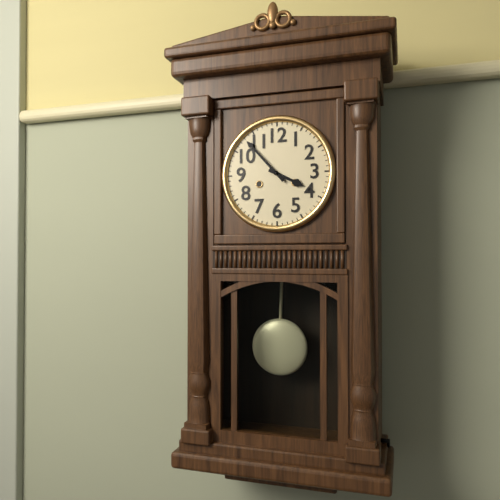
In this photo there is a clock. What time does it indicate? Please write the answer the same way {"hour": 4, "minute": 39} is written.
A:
{"hour": 3, "minute": 53}
